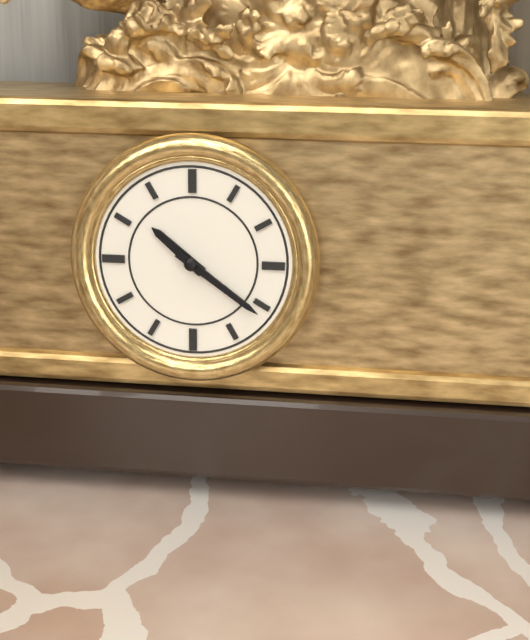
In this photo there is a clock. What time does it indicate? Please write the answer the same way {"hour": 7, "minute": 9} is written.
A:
{"hour": 10, "minute": 21}
